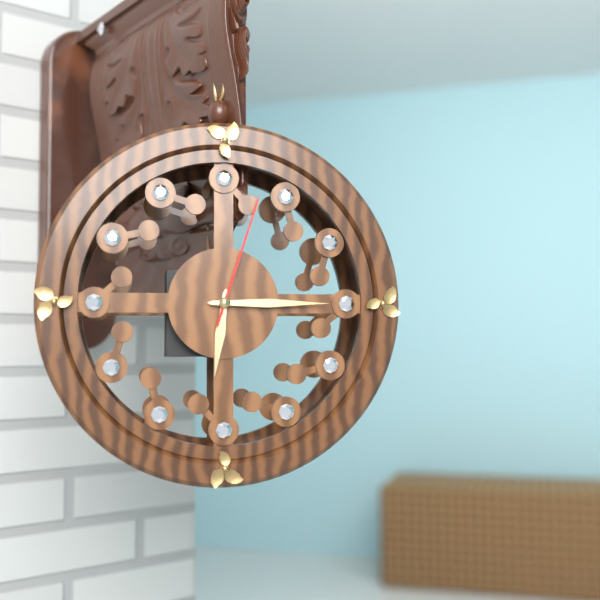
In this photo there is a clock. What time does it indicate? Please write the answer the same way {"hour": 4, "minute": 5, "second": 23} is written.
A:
{"hour": 6, "minute": 15, "second": 3}
